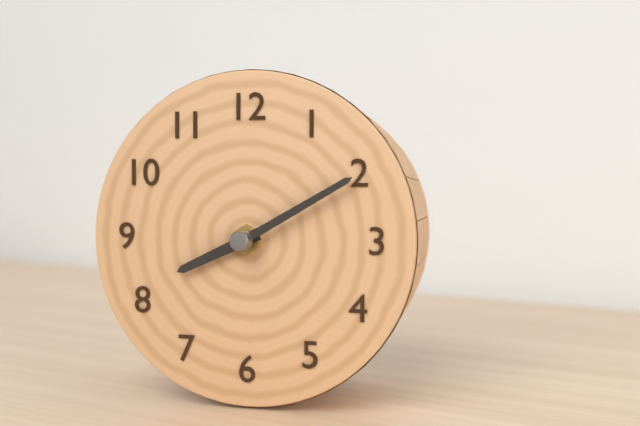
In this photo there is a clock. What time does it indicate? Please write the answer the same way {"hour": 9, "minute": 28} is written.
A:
{"hour": 8, "minute": 10}
